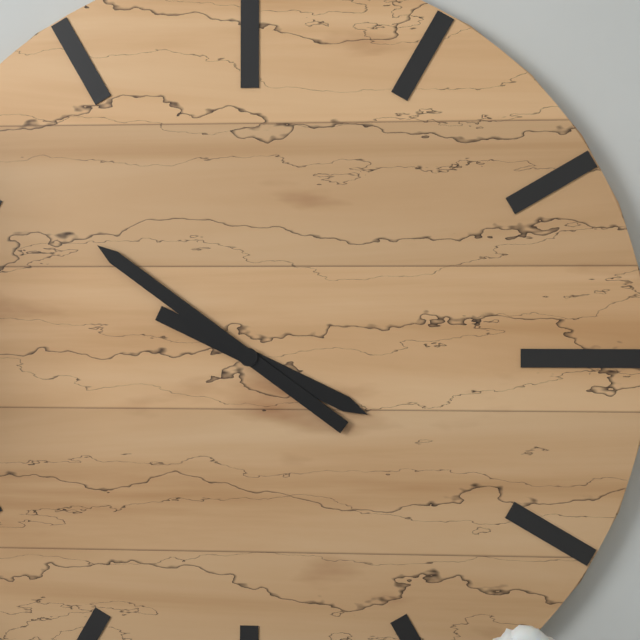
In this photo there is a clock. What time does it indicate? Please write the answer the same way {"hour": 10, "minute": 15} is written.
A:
{"hour": 3, "minute": 51}
